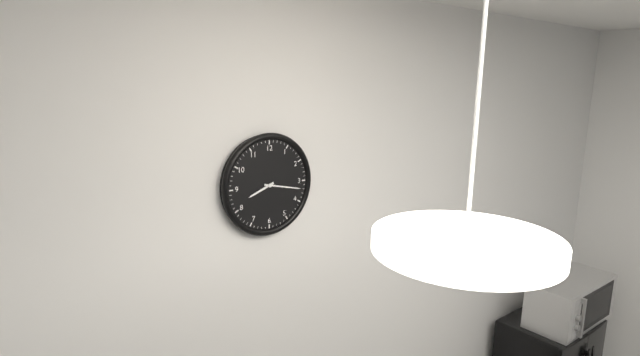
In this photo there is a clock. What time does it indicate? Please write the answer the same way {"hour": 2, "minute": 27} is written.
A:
{"hour": 8, "minute": 17}
